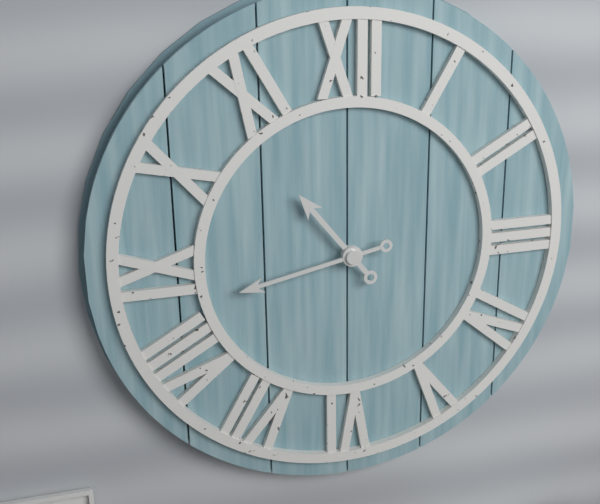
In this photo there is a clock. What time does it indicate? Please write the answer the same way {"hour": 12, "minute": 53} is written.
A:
{"hour": 10, "minute": 43}
